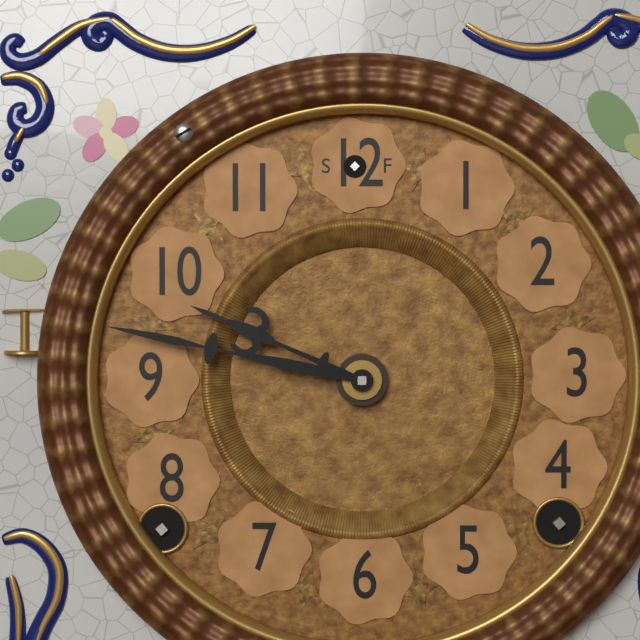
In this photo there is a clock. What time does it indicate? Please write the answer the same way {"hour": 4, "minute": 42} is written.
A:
{"hour": 9, "minute": 47}
